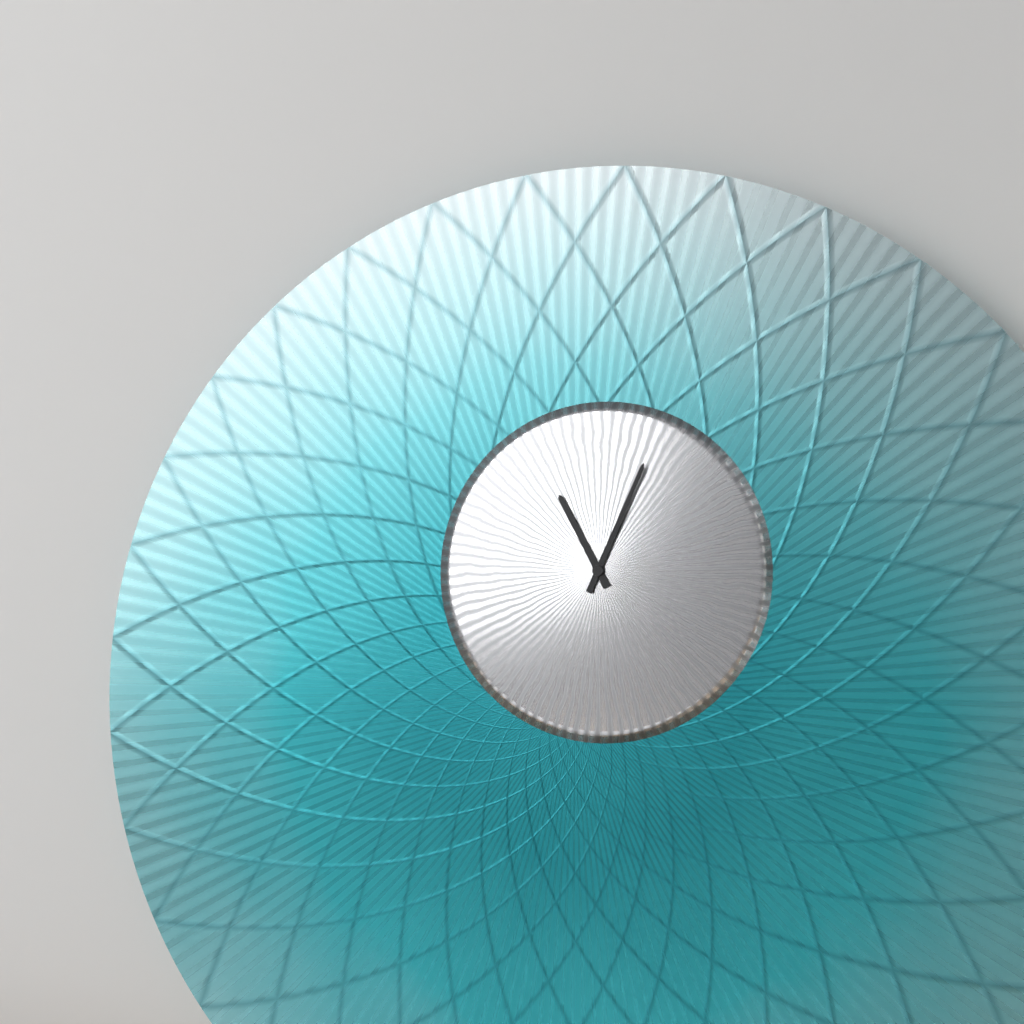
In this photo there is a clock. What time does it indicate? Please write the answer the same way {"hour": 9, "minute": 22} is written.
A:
{"hour": 11, "minute": 4}
